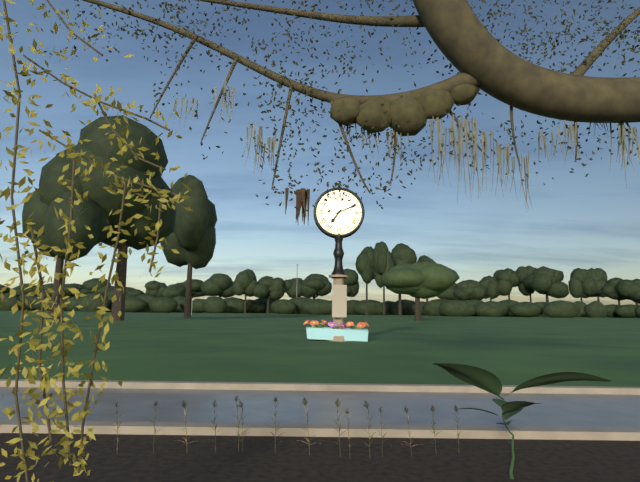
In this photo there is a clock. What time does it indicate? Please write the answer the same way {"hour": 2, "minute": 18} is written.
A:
{"hour": 7, "minute": 11}
